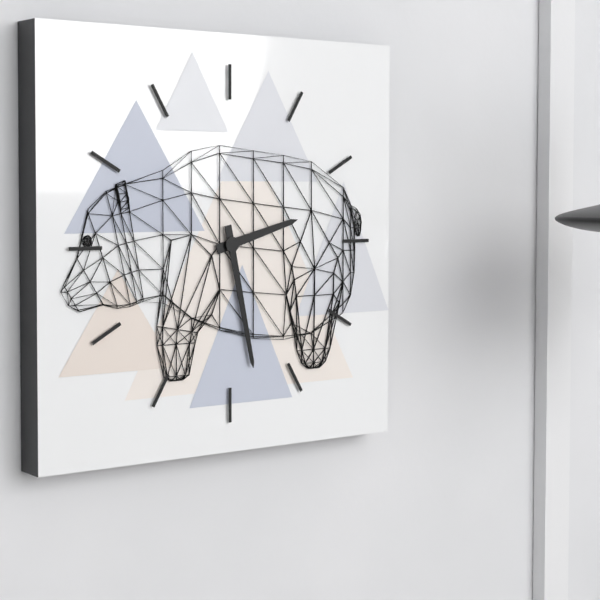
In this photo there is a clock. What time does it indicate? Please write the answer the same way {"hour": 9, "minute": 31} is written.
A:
{"hour": 2, "minute": 28}
